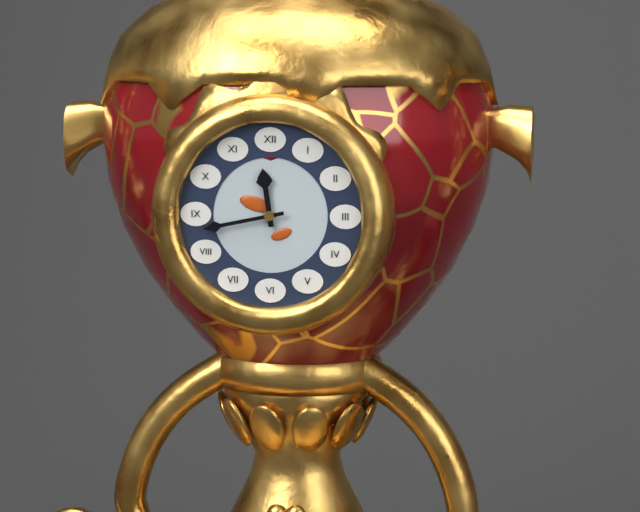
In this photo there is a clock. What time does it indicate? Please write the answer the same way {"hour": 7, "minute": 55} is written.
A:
{"hour": 11, "minute": 43}
